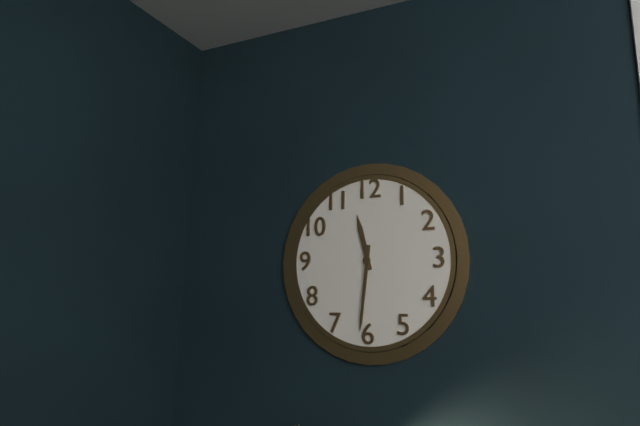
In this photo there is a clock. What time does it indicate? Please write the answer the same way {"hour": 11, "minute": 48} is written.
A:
{"hour": 11, "minute": 31}
